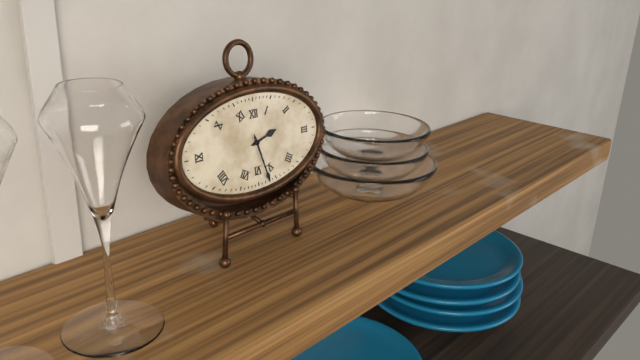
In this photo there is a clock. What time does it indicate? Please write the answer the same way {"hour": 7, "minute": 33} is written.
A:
{"hour": 2, "minute": 27}
